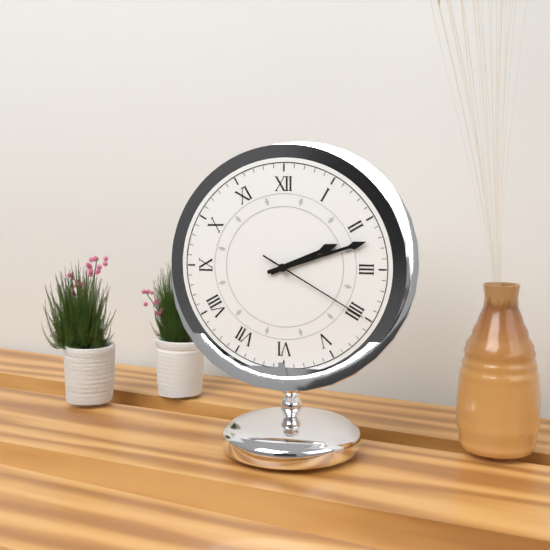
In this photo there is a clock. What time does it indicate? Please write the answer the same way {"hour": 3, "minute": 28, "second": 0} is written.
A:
{"hour": 2, "minute": 12, "second": 20}
